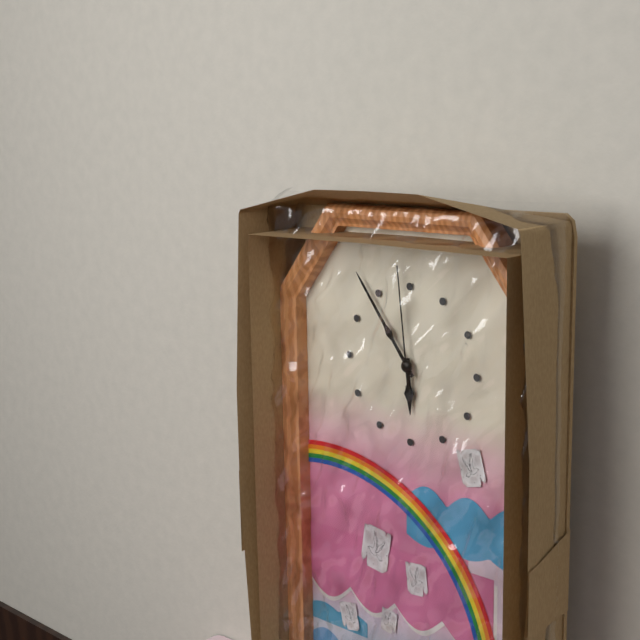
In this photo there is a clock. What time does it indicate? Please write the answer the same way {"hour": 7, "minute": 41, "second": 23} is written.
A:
{"hour": 5, "minute": 54, "second": 59}
